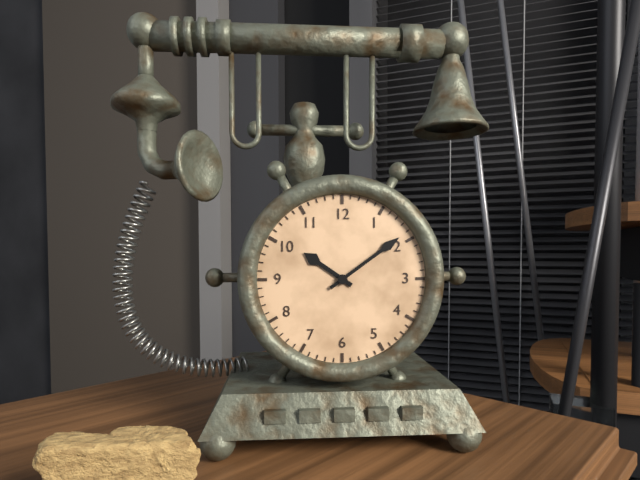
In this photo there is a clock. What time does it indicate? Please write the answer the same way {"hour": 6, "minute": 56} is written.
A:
{"hour": 10, "minute": 9}
